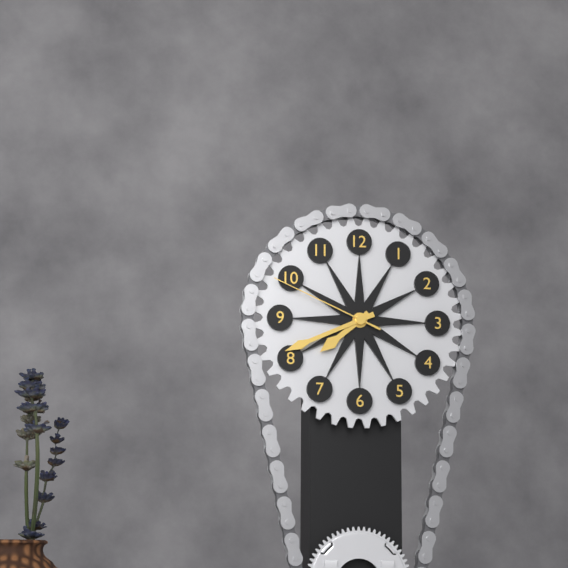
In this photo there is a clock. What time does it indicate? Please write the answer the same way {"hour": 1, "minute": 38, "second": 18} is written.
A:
{"hour": 7, "minute": 41, "second": 49}
